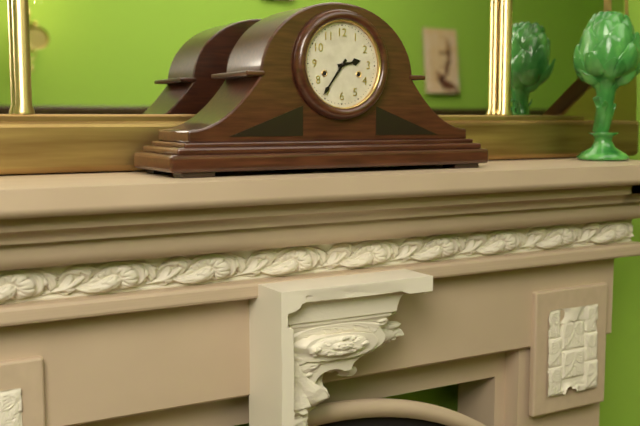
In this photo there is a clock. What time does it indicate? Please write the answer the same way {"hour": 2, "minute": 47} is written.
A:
{"hour": 2, "minute": 36}
